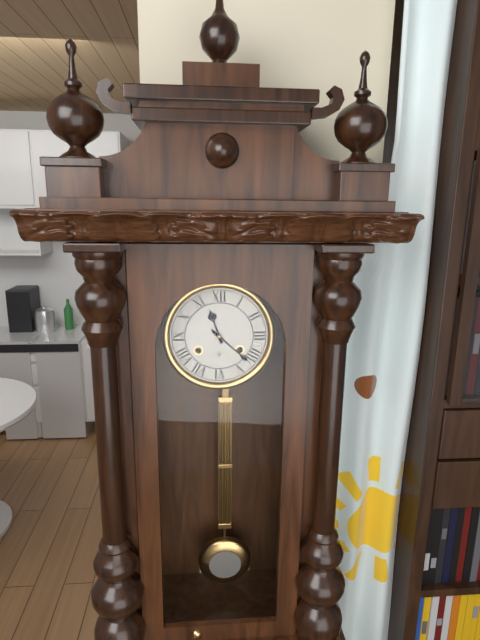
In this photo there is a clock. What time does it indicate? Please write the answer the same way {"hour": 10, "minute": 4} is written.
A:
{"hour": 11, "minute": 22}
